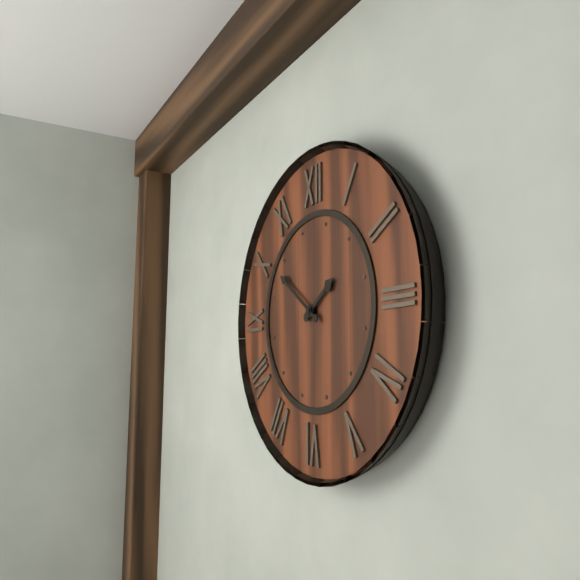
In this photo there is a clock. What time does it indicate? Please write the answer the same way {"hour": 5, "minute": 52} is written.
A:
{"hour": 1, "minute": 51}
